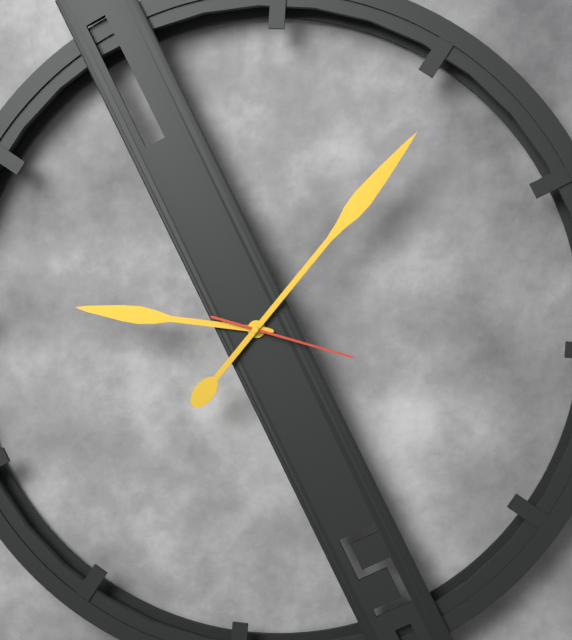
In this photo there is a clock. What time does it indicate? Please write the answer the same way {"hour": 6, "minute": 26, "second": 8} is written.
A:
{"hour": 9, "minute": 6, "second": 17}
